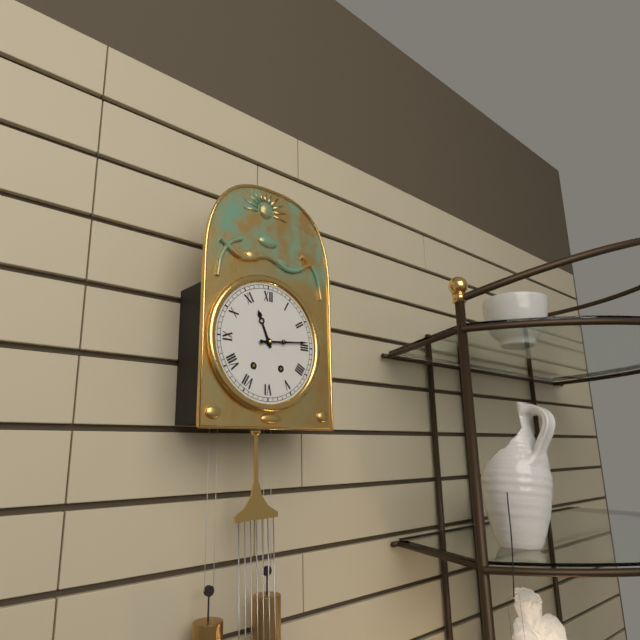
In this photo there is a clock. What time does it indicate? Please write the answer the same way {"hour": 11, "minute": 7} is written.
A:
{"hour": 11, "minute": 14}
